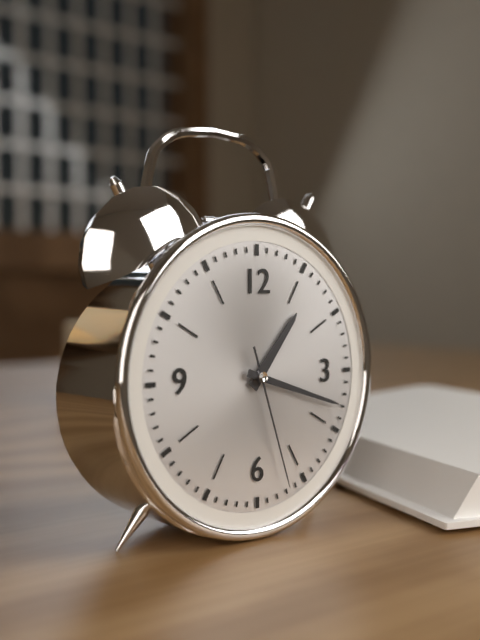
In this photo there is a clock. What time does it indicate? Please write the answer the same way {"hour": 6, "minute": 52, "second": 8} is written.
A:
{"hour": 1, "minute": 18, "second": 27}
